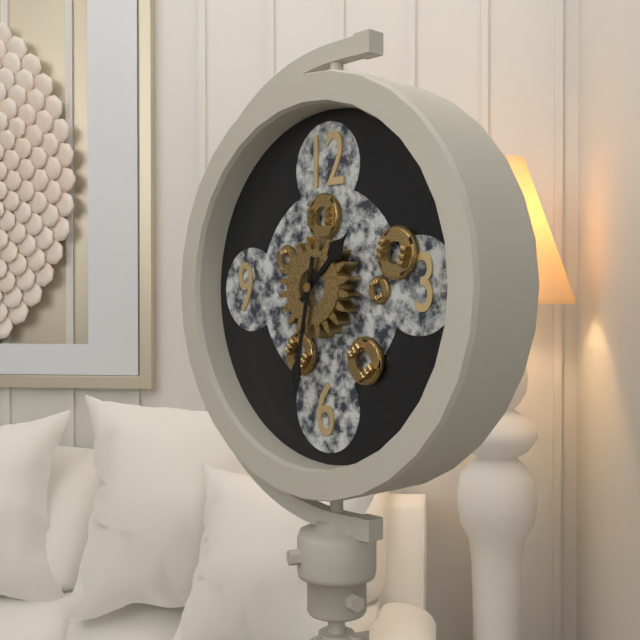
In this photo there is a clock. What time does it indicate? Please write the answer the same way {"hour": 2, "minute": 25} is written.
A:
{"hour": 1, "minute": 32}
